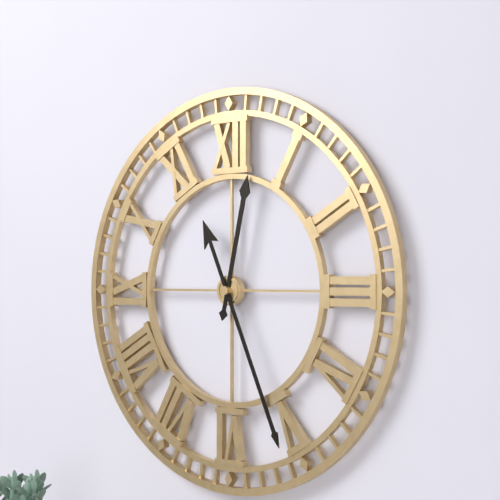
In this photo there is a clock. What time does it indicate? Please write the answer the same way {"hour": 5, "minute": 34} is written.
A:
{"hour": 12, "minute": 26}
